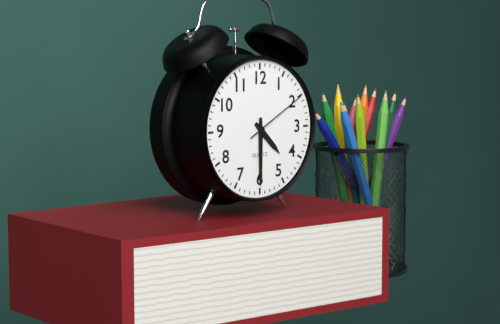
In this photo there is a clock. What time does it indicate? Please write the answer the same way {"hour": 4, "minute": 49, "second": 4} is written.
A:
{"hour": 4, "minute": 30, "second": 10}
